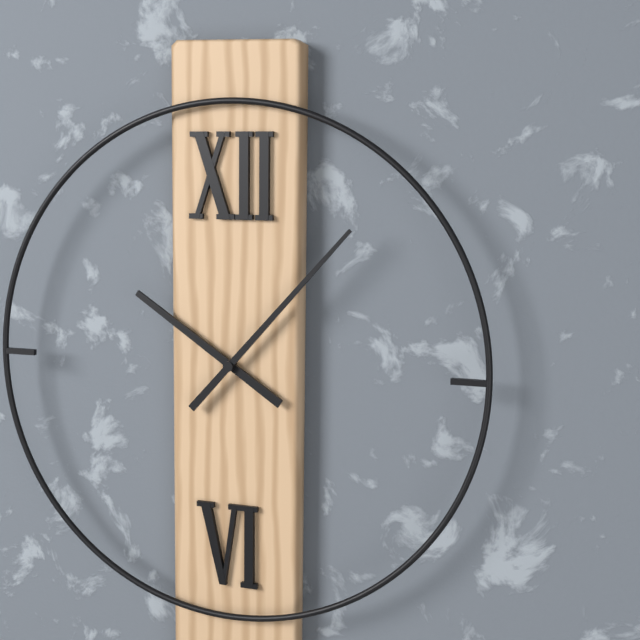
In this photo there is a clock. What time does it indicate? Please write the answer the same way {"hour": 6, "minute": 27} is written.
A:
{"hour": 10, "minute": 7}
